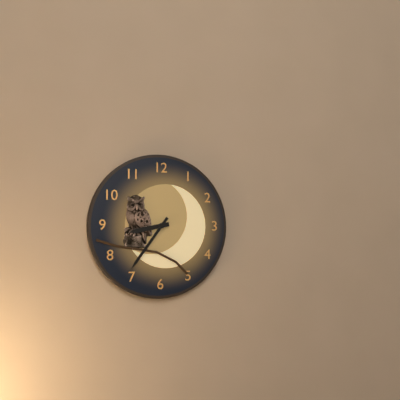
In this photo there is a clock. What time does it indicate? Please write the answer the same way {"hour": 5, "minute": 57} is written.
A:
{"hour": 8, "minute": 36}
